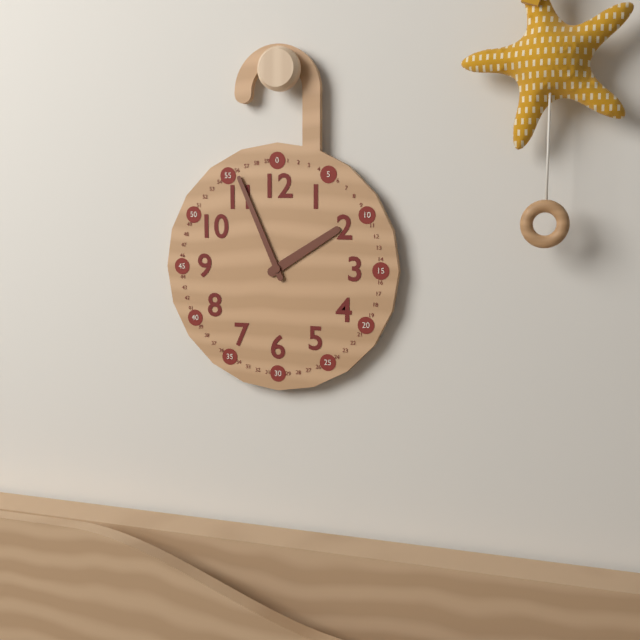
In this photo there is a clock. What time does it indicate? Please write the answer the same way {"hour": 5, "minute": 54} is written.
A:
{"hour": 1, "minute": 56}
